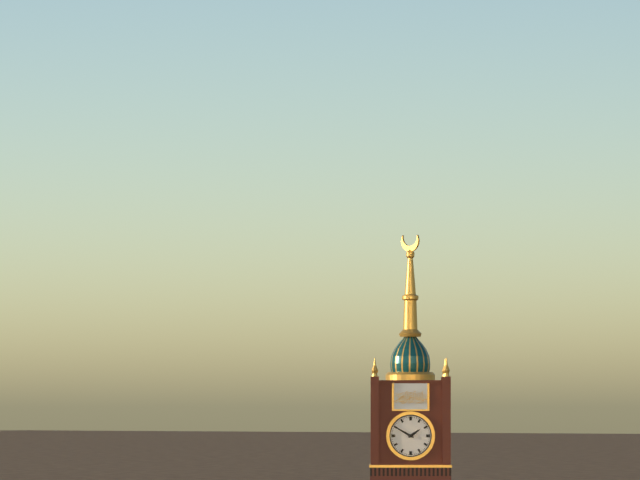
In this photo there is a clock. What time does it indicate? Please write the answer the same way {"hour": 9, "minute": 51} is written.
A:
{"hour": 1, "minute": 50}
